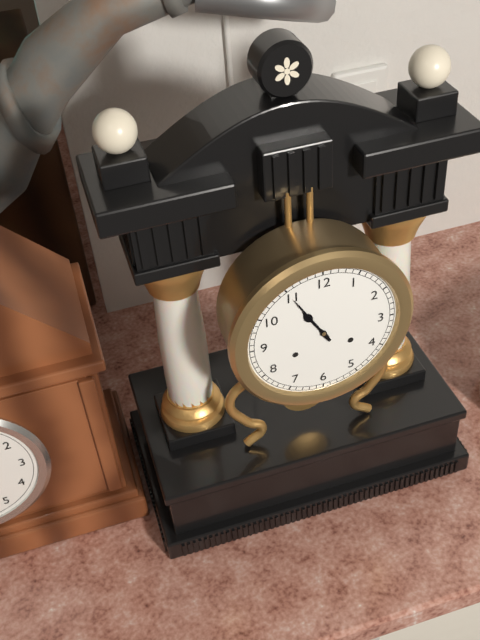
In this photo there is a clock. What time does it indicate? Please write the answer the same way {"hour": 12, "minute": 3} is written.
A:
{"hour": 10, "minute": 55}
